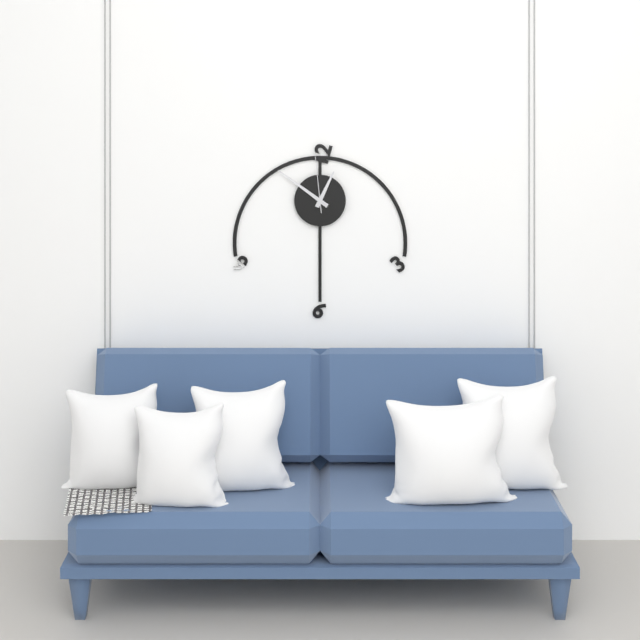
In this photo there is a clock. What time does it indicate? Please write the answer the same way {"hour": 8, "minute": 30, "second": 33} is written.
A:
{"hour": 12, "minute": 51, "second": 59}
